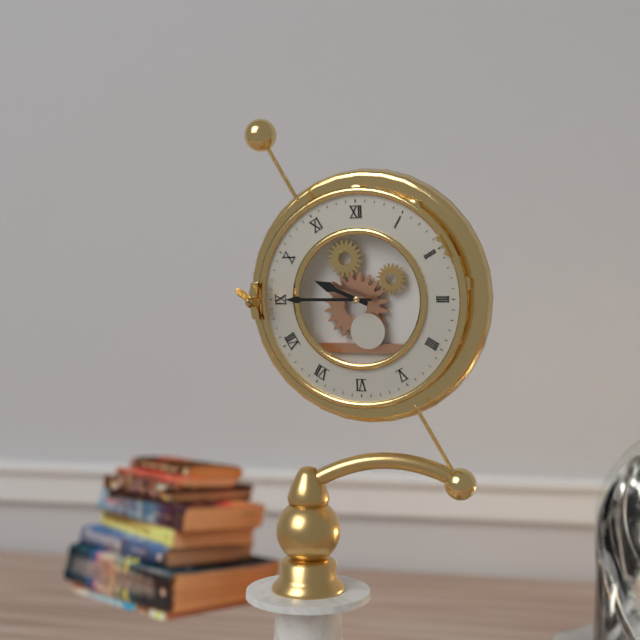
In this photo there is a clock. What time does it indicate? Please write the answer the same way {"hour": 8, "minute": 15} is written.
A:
{"hour": 9, "minute": 45}
